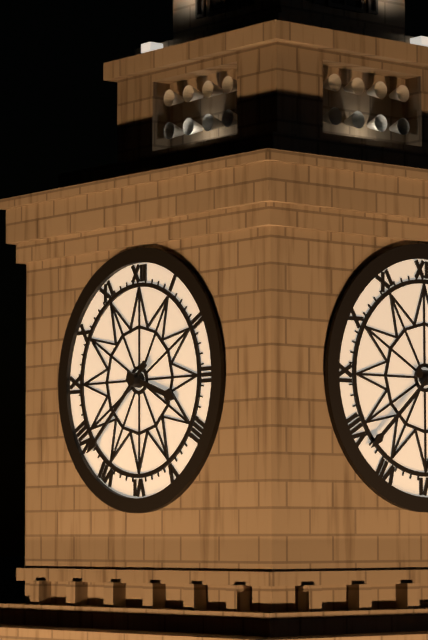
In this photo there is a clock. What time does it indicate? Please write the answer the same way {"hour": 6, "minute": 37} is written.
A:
{"hour": 3, "minute": 38}
